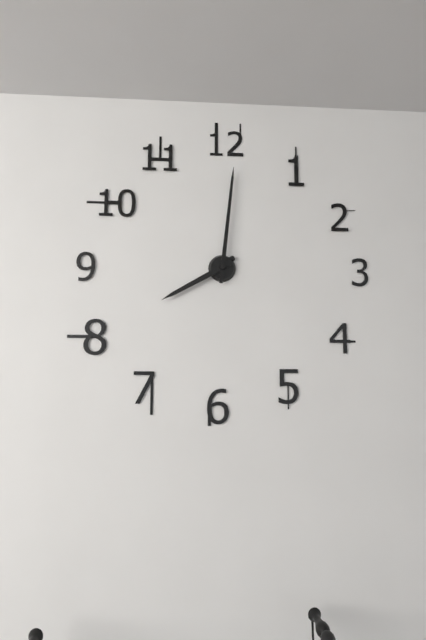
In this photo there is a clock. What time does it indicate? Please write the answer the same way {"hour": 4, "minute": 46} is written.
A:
{"hour": 8, "minute": 1}
